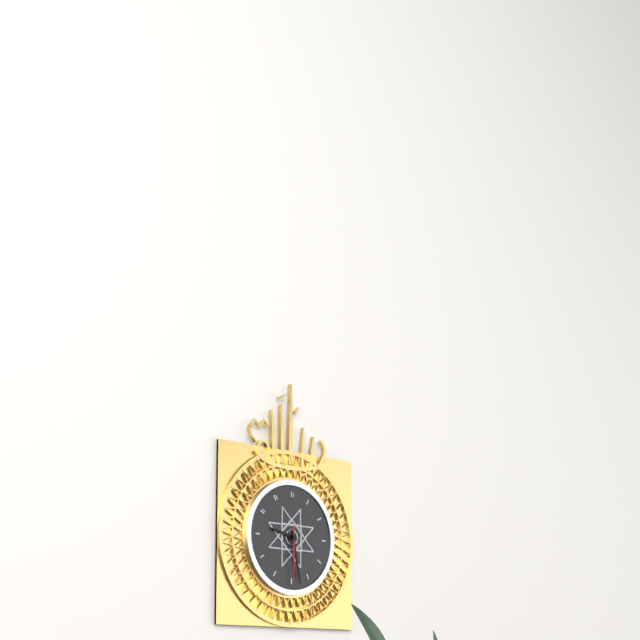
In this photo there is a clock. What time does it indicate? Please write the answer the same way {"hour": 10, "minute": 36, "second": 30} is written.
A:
{"hour": 9, "minute": 28, "second": 30}
